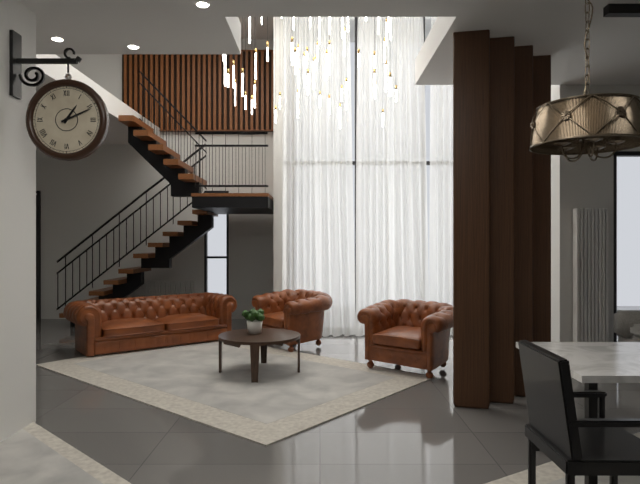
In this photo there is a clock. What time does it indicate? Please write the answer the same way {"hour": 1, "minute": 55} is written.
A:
{"hour": 1, "minute": 11}
